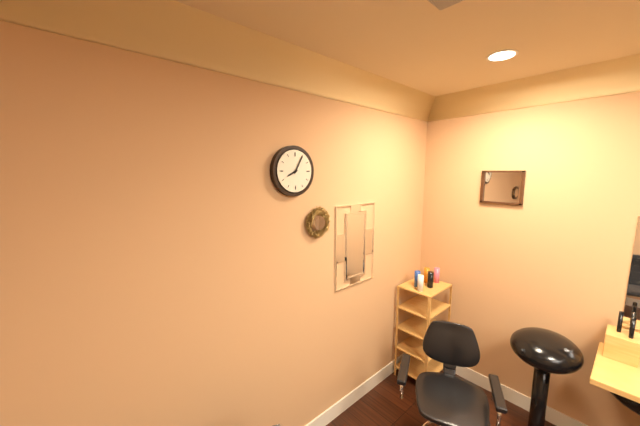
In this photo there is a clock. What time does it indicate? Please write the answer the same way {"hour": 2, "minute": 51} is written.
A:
{"hour": 8, "minute": 5}
